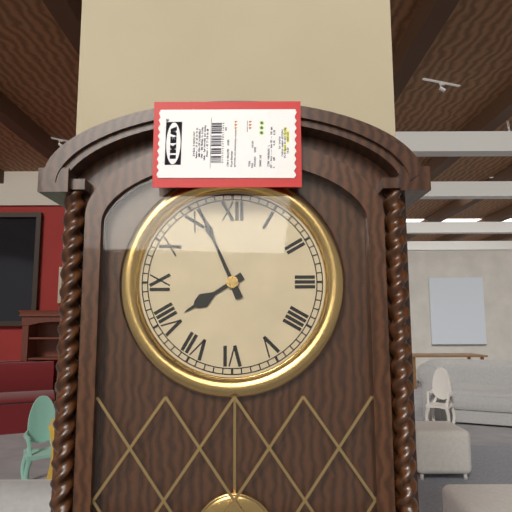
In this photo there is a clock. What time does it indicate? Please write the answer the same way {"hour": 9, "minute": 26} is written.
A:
{"hour": 7, "minute": 56}
